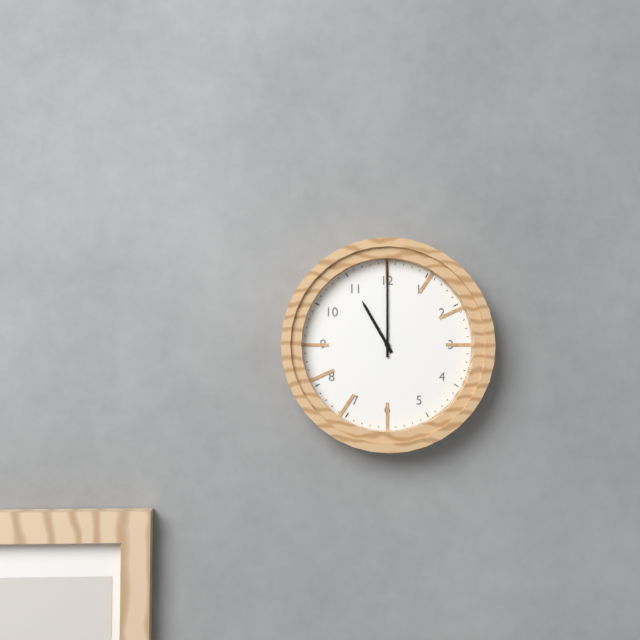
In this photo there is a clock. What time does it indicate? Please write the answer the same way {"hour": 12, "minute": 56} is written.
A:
{"hour": 11, "minute": 0}
